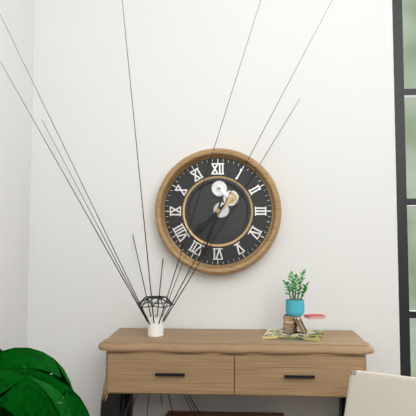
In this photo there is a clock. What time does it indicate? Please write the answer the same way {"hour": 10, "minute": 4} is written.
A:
{"hour": 7, "minute": 33}
